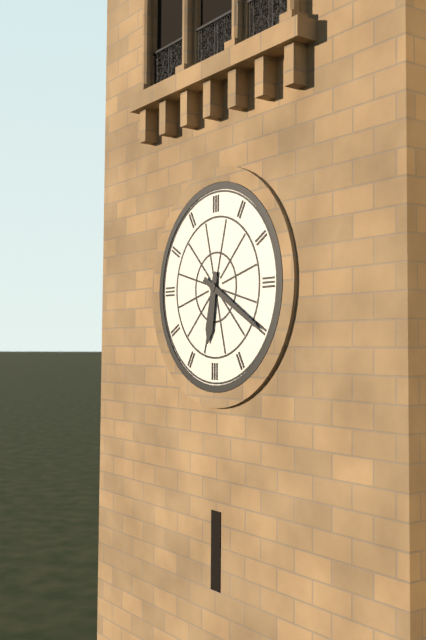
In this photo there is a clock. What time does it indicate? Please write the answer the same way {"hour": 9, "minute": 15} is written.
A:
{"hour": 6, "minute": 20}
